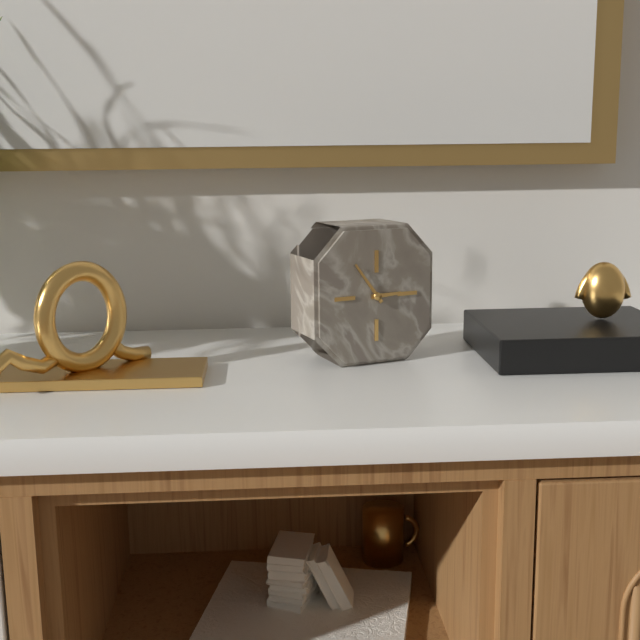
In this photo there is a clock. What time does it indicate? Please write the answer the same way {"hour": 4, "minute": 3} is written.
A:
{"hour": 2, "minute": 54}
